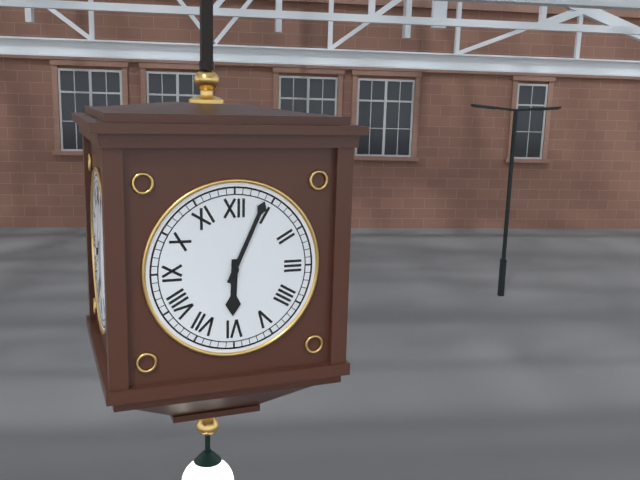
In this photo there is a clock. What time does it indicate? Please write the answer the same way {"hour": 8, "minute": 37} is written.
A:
{"hour": 6, "minute": 4}
